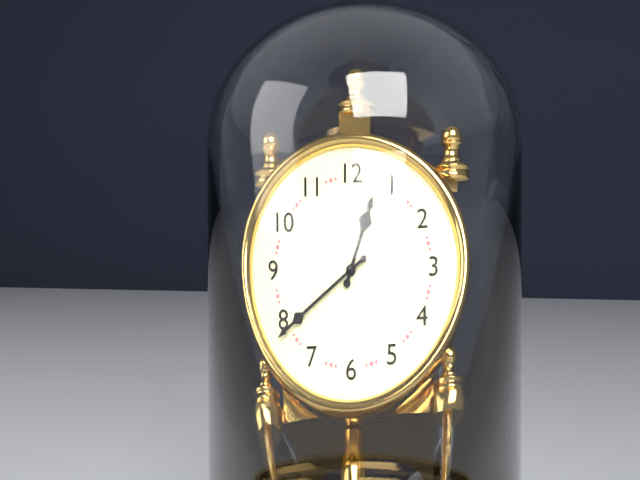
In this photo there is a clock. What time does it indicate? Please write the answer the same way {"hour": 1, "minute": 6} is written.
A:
{"hour": 12, "minute": 39}
